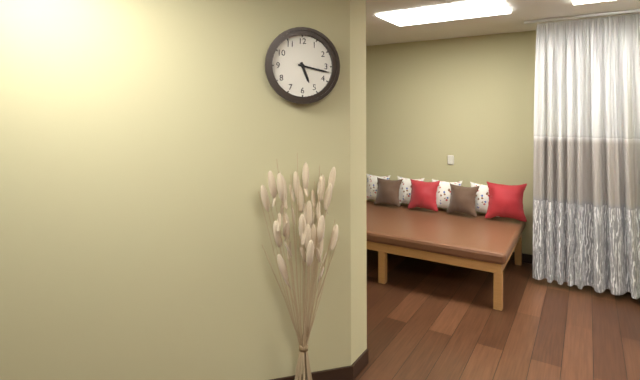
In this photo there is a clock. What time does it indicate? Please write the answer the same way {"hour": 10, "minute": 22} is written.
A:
{"hour": 5, "minute": 17}
